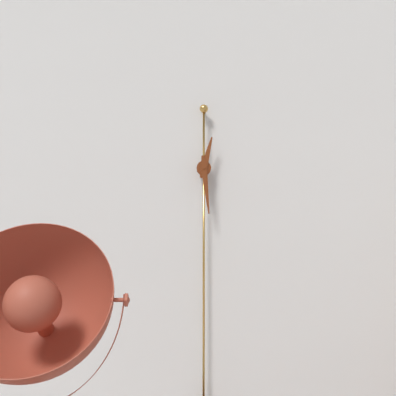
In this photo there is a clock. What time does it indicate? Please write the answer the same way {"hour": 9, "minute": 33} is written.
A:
{"hour": 12, "minute": 29}
